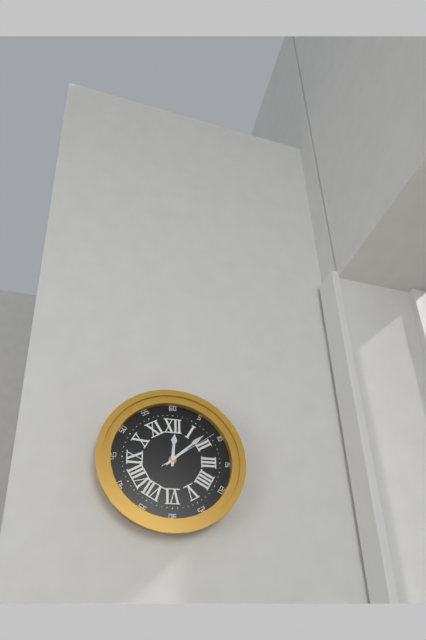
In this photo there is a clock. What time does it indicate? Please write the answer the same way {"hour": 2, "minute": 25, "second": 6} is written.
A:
{"hour": 12, "minute": 8, "second": 9}
